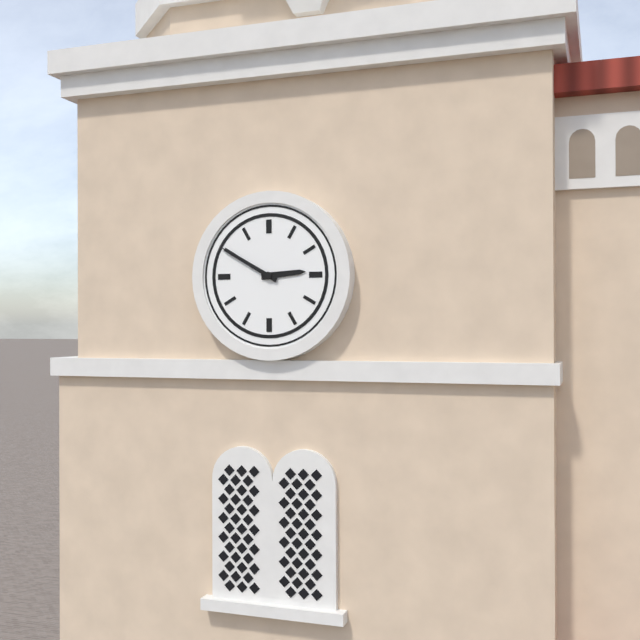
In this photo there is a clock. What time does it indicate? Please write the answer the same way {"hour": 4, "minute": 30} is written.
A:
{"hour": 2, "minute": 50}
